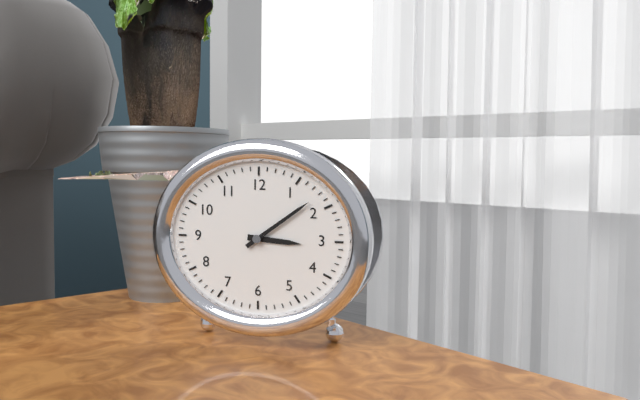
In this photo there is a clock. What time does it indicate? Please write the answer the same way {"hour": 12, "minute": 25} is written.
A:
{"hour": 3, "minute": 9}
